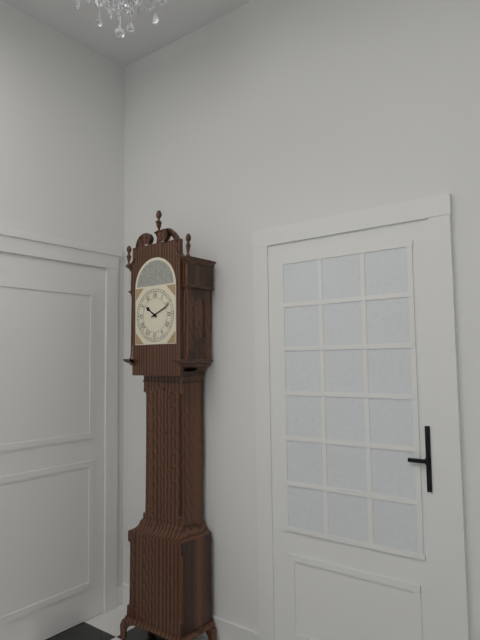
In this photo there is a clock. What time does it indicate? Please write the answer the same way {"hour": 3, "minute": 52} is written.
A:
{"hour": 10, "minute": 11}
